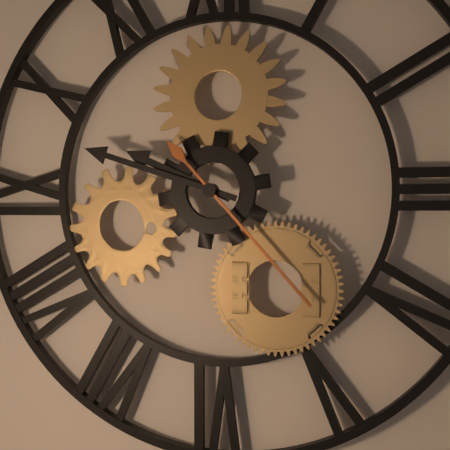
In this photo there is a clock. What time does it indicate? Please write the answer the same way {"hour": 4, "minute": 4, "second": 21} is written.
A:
{"hour": 9, "minute": 48, "second": 23}
